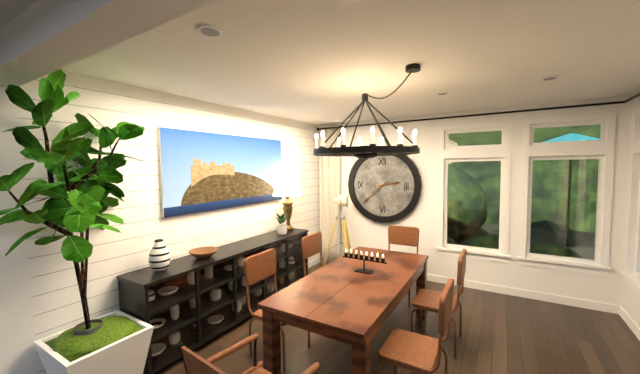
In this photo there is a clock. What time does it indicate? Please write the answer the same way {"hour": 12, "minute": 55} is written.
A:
{"hour": 2, "minute": 38}
